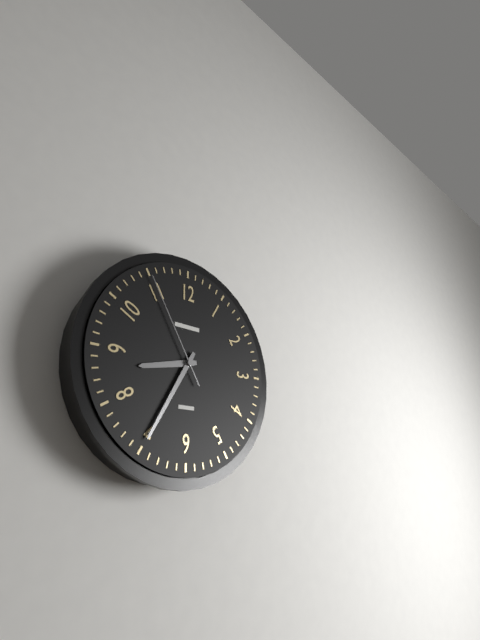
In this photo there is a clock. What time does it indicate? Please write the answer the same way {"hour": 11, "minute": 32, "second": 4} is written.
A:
{"hour": 8, "minute": 35, "second": 55}
